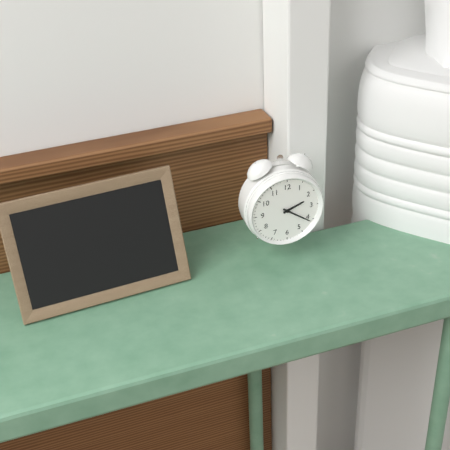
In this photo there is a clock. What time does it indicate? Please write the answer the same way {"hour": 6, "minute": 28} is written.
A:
{"hour": 2, "minute": 21}
